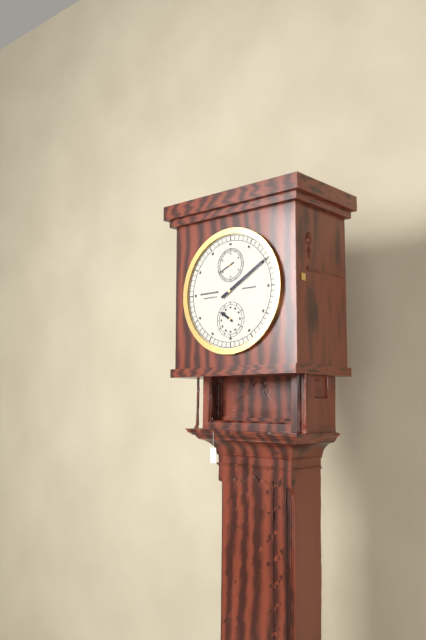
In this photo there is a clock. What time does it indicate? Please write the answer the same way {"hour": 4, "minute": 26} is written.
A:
{"hour": 10, "minute": 10}
